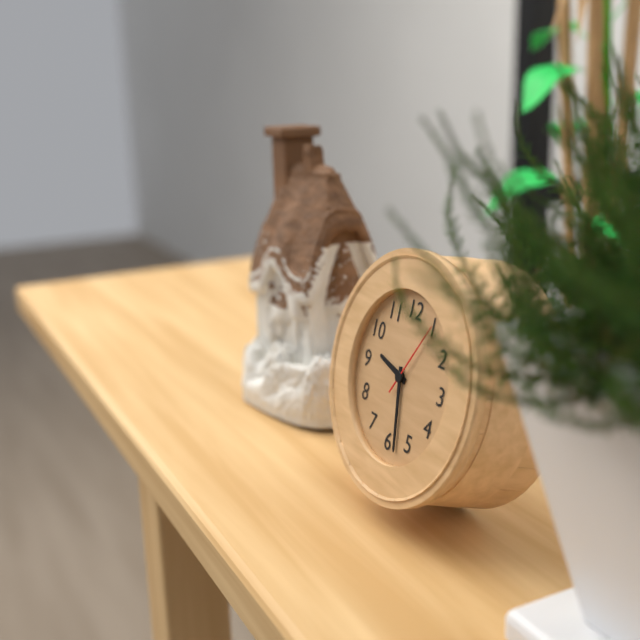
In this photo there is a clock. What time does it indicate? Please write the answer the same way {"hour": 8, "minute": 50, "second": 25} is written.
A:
{"hour": 9, "minute": 28, "second": 5}
